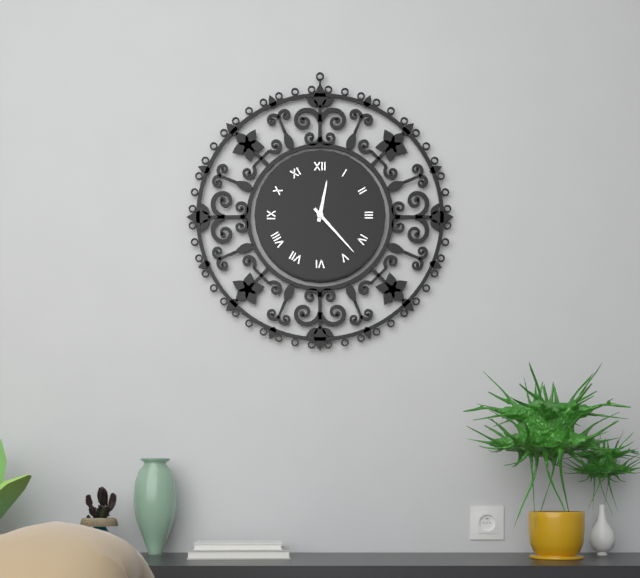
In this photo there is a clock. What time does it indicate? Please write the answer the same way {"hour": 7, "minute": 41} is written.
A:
{"hour": 12, "minute": 23}
